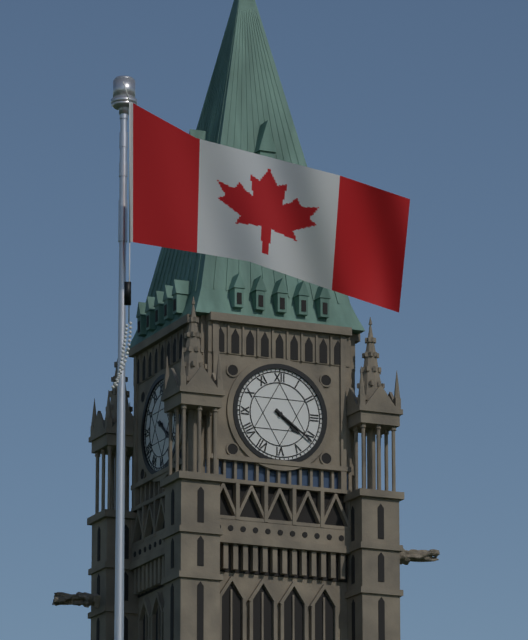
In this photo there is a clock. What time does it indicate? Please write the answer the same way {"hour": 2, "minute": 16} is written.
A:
{"hour": 4, "minute": 21}
